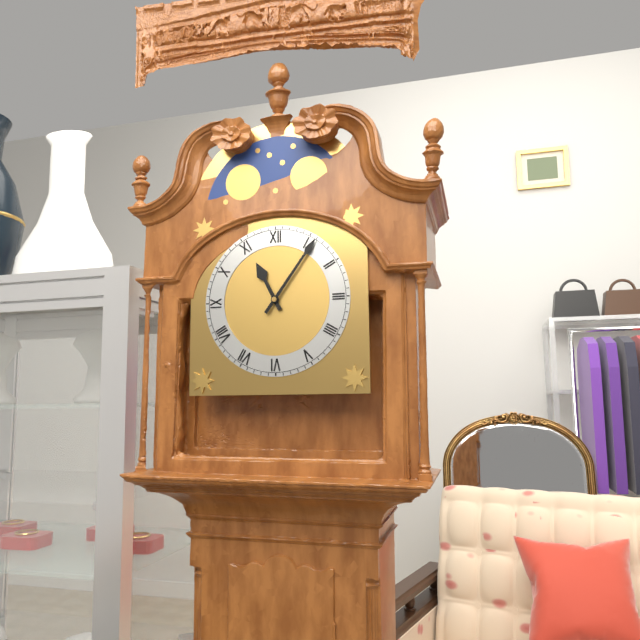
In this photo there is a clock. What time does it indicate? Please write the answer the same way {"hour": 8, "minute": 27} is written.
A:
{"hour": 11, "minute": 6}
